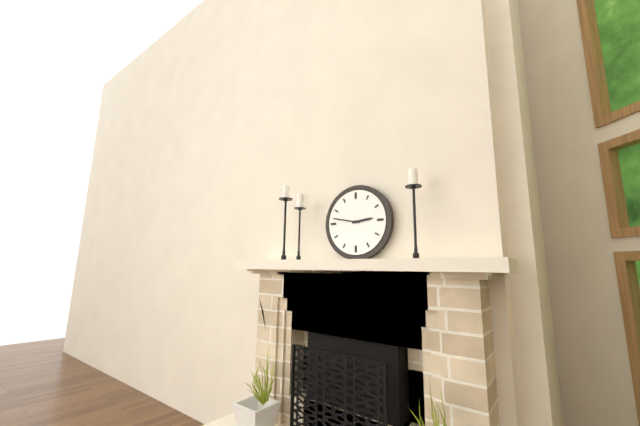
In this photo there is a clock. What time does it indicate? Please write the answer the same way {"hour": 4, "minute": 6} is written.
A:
{"hour": 2, "minute": 47}
